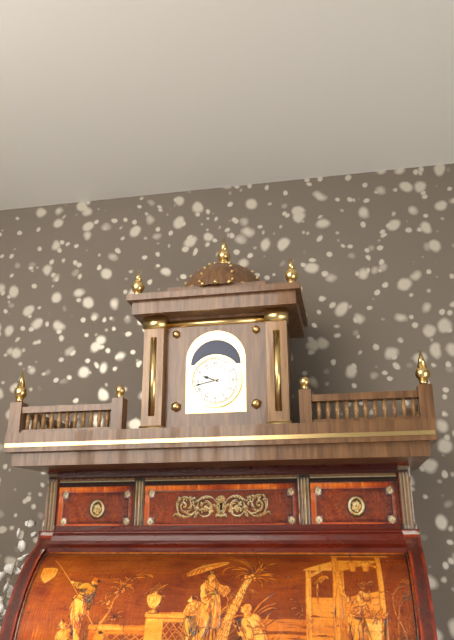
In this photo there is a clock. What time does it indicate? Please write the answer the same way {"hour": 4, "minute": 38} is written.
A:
{"hour": 9, "minute": 43}
